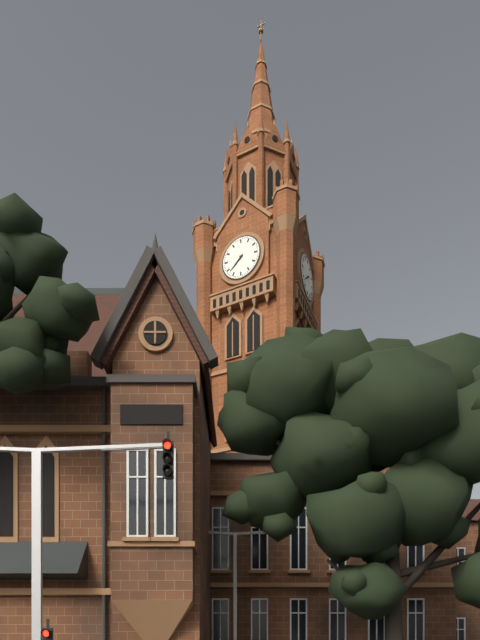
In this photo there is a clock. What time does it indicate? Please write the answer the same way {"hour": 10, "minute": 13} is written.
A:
{"hour": 7, "minute": 38}
